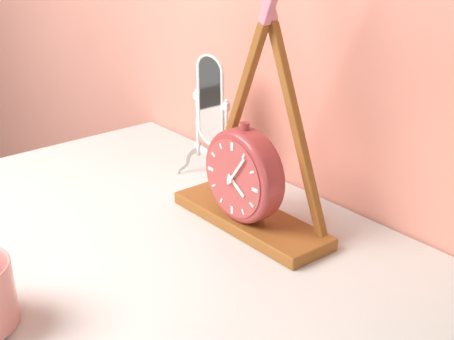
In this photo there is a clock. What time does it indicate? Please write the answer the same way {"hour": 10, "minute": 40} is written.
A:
{"hour": 4, "minute": 6}
